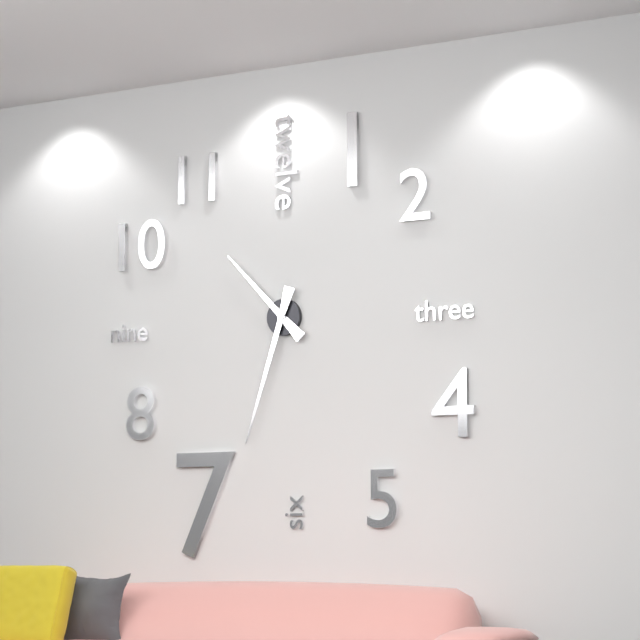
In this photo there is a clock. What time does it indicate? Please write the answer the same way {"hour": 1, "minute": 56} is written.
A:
{"hour": 10, "minute": 33}
